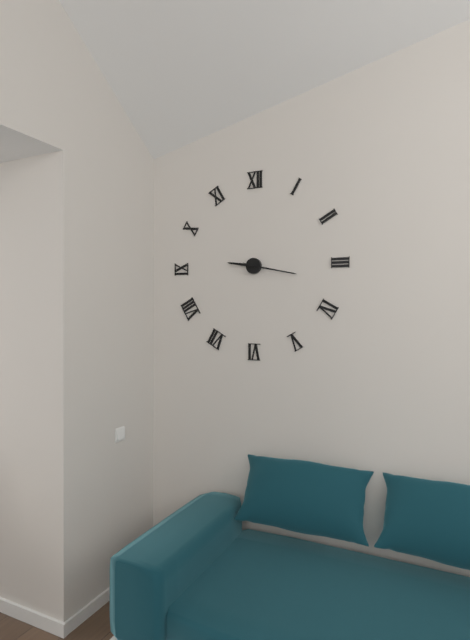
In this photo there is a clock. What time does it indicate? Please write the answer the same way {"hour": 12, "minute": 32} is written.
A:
{"hour": 9, "minute": 17}
